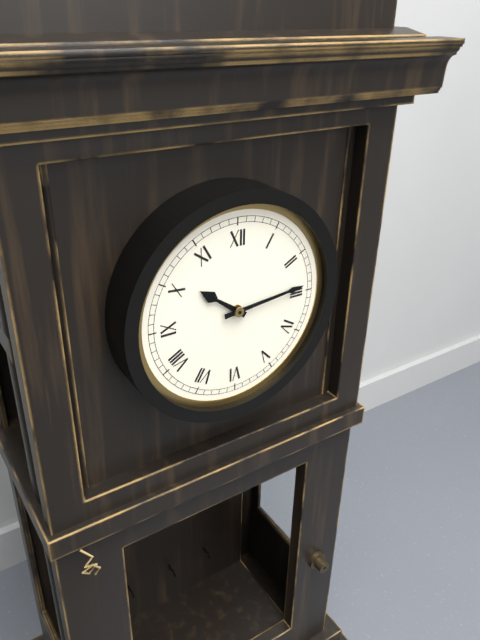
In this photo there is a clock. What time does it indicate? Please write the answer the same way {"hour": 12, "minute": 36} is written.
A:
{"hour": 10, "minute": 14}
